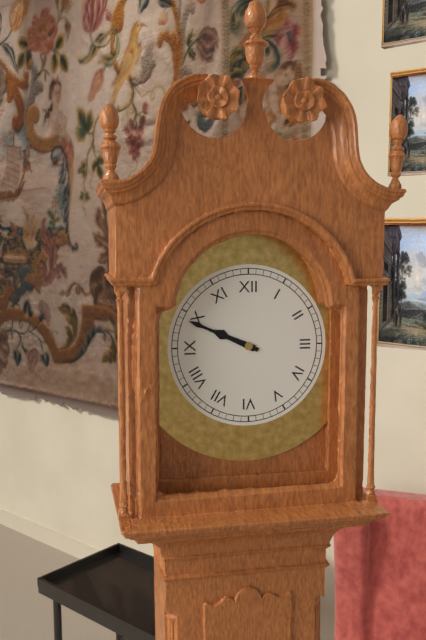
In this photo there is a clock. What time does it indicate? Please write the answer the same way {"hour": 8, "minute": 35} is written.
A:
{"hour": 9, "minute": 49}
